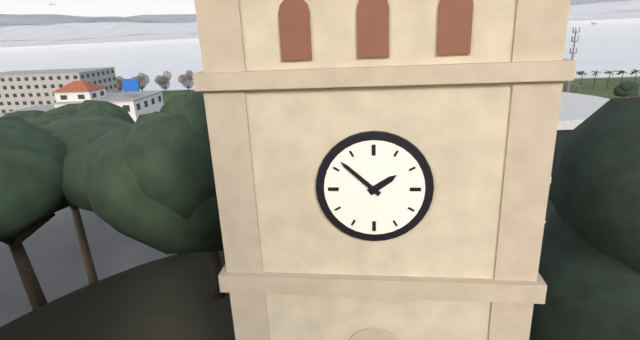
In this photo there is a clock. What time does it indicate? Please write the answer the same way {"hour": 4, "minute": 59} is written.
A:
{"hour": 1, "minute": 52}
